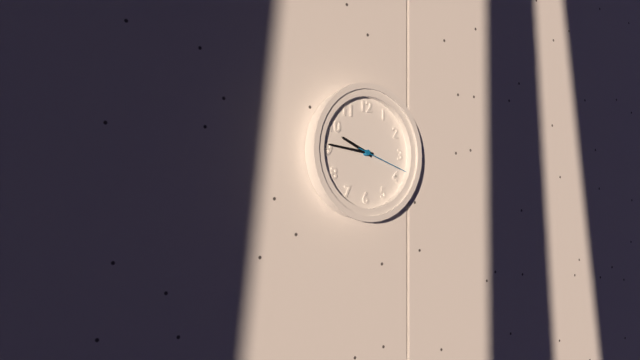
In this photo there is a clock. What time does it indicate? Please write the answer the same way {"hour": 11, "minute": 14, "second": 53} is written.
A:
{"hour": 9, "minute": 46, "second": 18}
